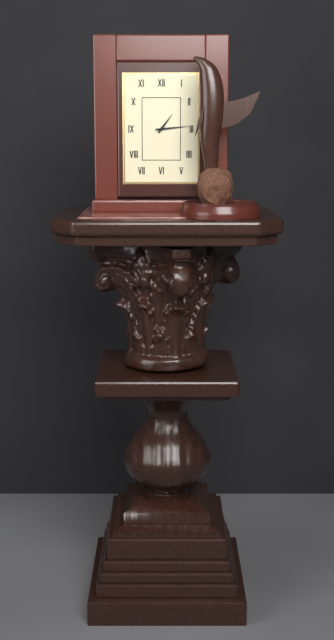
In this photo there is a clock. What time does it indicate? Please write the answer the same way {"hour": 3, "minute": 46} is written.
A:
{"hour": 1, "minute": 14}
